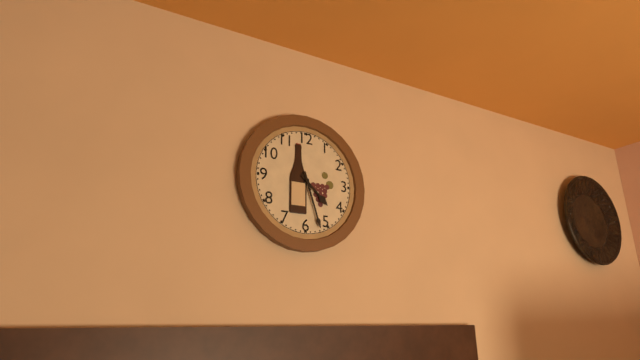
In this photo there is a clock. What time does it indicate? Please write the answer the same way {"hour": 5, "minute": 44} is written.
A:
{"hour": 4, "minute": 27}
